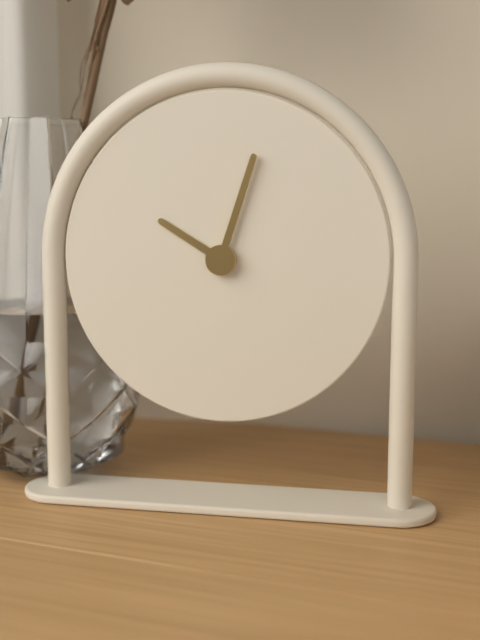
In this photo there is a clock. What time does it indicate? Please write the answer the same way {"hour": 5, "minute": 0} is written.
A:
{"hour": 10, "minute": 3}
